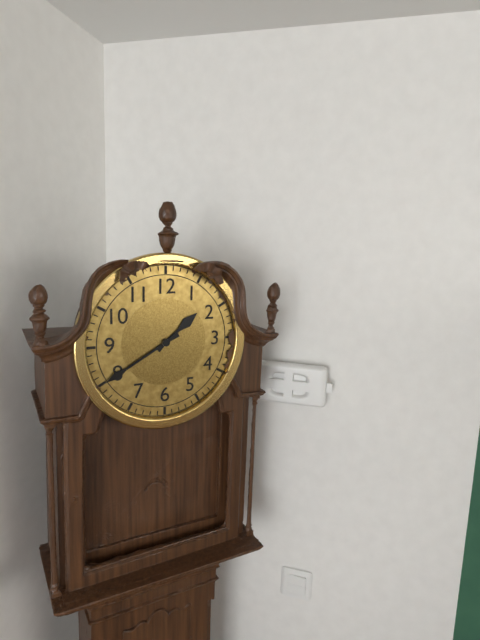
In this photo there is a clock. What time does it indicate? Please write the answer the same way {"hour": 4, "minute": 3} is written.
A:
{"hour": 1, "minute": 40}
